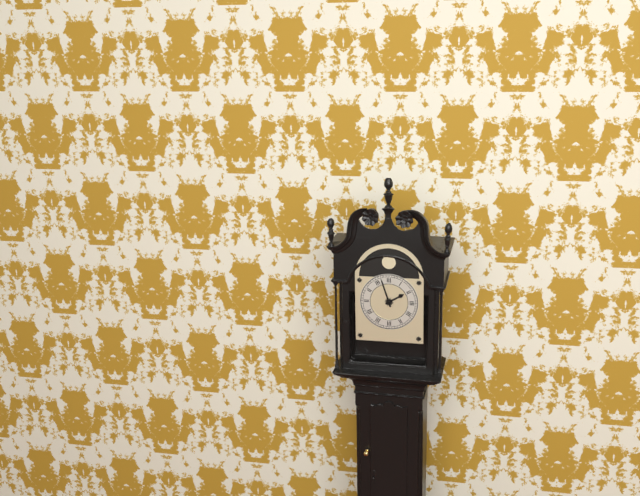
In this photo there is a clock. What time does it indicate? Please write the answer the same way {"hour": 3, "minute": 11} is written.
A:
{"hour": 1, "minute": 57}
